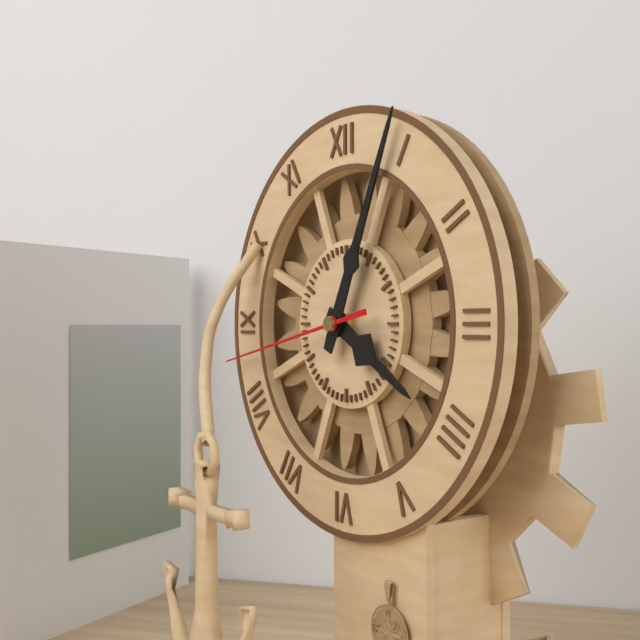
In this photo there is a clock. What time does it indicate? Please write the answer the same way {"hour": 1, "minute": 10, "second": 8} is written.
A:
{"hour": 4, "minute": 4, "second": 43}
